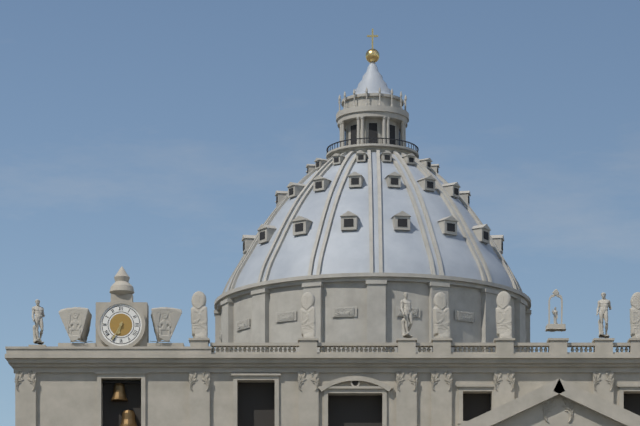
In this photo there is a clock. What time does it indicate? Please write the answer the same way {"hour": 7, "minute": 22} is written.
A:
{"hour": 6, "minute": 35}
